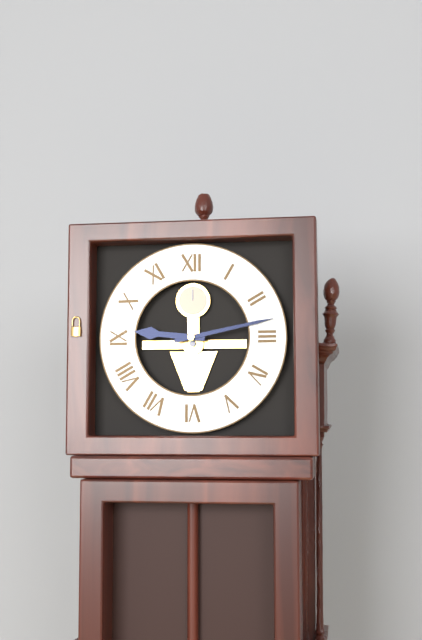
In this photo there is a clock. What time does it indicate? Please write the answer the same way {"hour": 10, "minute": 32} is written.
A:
{"hour": 9, "minute": 13}
